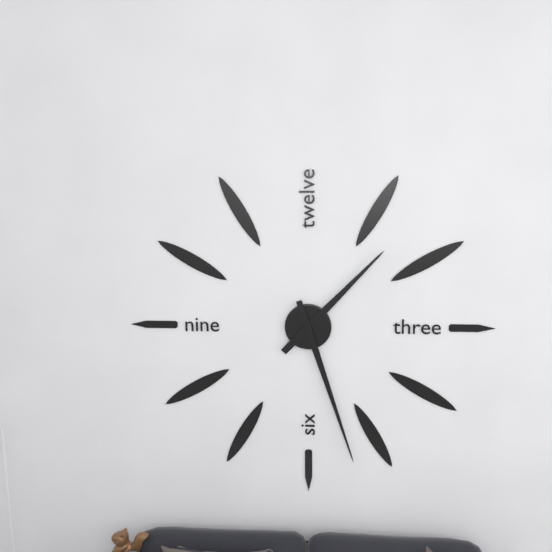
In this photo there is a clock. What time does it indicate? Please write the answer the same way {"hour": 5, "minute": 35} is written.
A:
{"hour": 1, "minute": 27}
